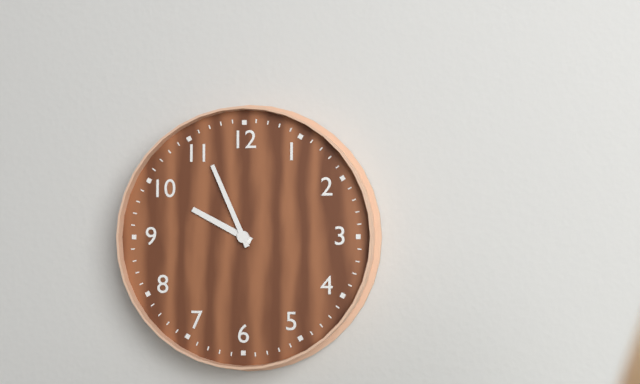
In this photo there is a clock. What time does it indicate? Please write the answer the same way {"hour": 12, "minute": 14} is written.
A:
{"hour": 9, "minute": 56}
